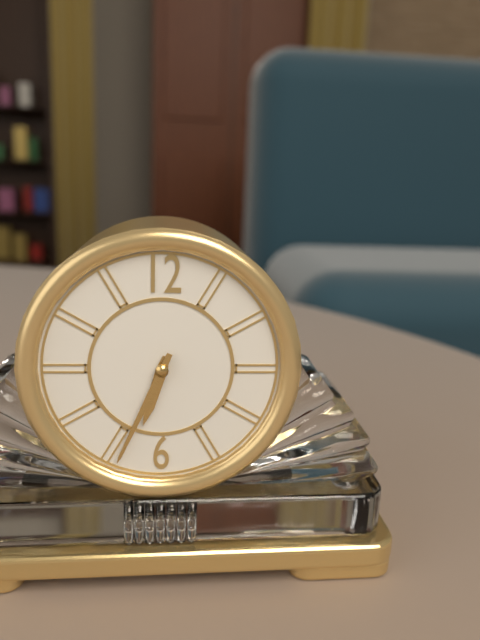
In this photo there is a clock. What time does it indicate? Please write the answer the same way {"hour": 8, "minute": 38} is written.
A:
{"hour": 6, "minute": 34}
